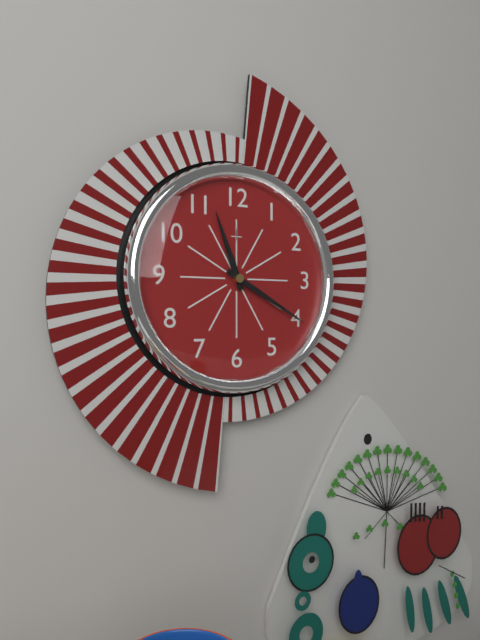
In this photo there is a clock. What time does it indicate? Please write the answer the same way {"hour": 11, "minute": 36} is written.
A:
{"hour": 11, "minute": 20}
